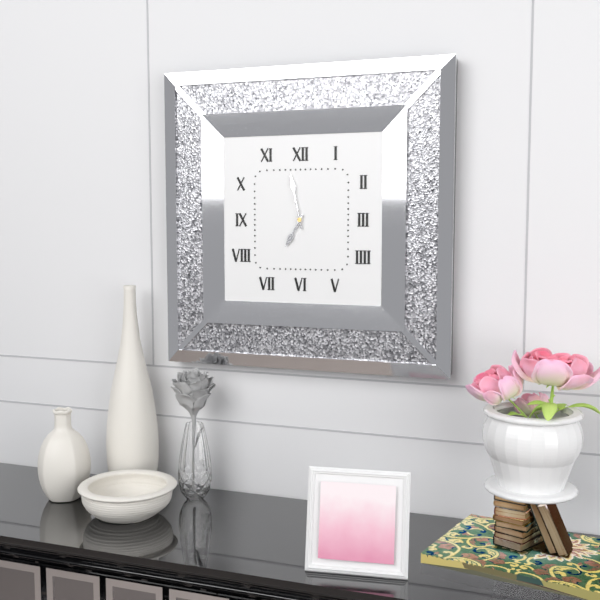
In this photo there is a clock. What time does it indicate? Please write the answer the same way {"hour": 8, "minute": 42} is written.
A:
{"hour": 6, "minute": 58}
